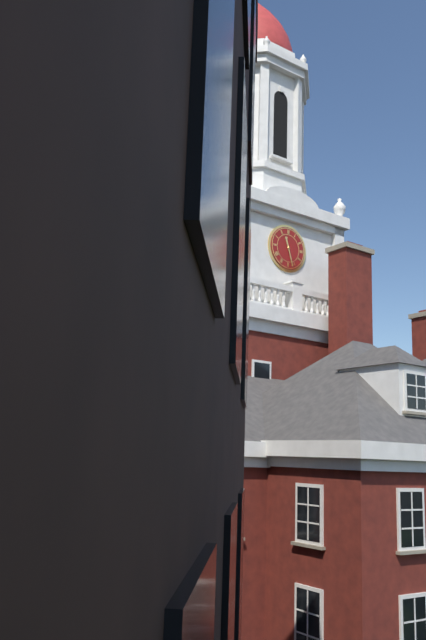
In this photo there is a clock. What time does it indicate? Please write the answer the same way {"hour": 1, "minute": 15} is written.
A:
{"hour": 11, "minute": 27}
